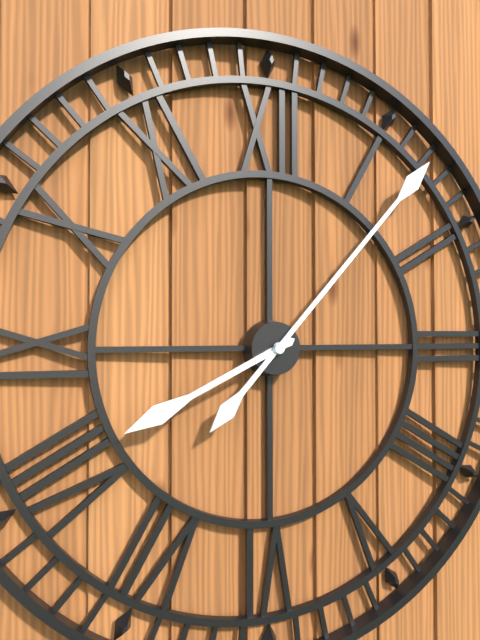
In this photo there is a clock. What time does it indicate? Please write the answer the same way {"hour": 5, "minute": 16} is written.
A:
{"hour": 8, "minute": 7}
